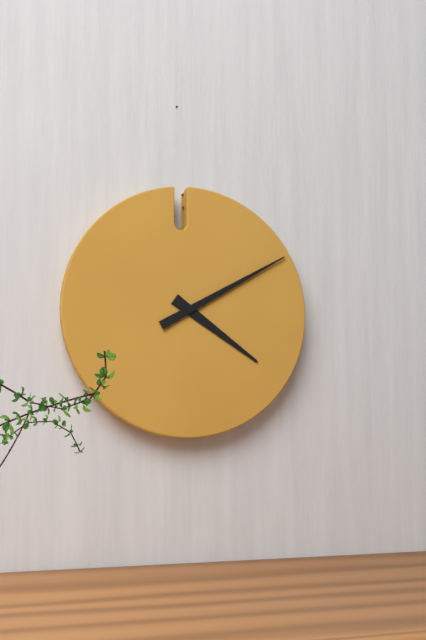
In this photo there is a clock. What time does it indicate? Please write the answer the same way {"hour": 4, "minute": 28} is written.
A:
{"hour": 4, "minute": 10}
